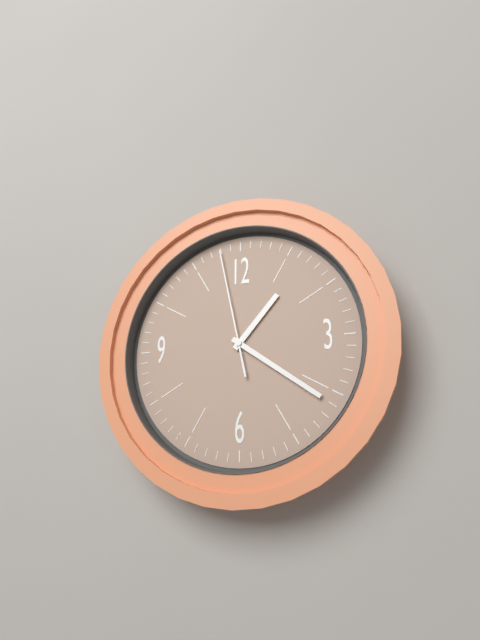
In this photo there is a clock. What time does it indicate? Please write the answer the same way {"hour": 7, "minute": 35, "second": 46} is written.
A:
{"hour": 1, "minute": 21, "second": 58}
